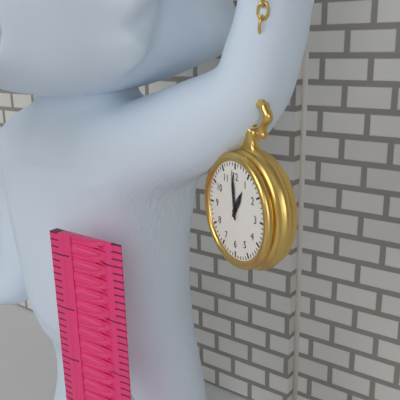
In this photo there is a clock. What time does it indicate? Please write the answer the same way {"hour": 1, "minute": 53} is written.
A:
{"hour": 12, "minute": 59}
